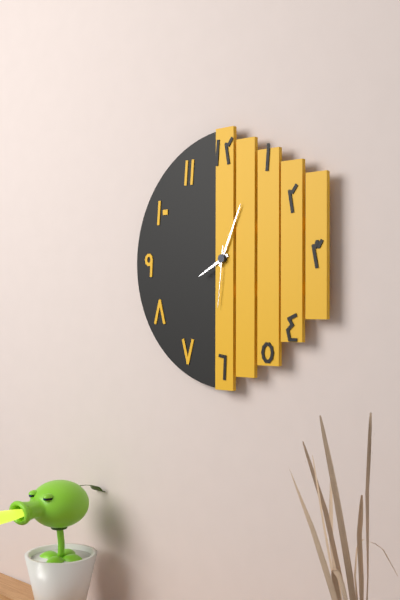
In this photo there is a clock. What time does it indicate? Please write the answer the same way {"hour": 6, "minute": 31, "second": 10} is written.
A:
{"hour": 8, "minute": 4, "second": 31}
